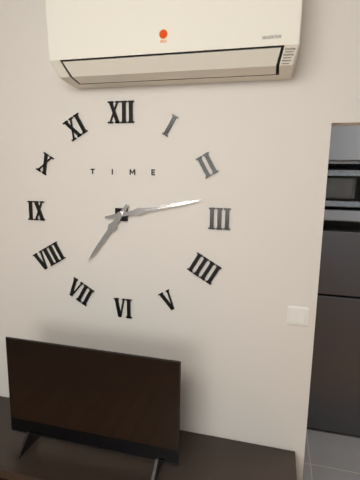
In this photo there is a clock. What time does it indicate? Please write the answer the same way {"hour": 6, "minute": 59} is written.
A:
{"hour": 7, "minute": 13}
